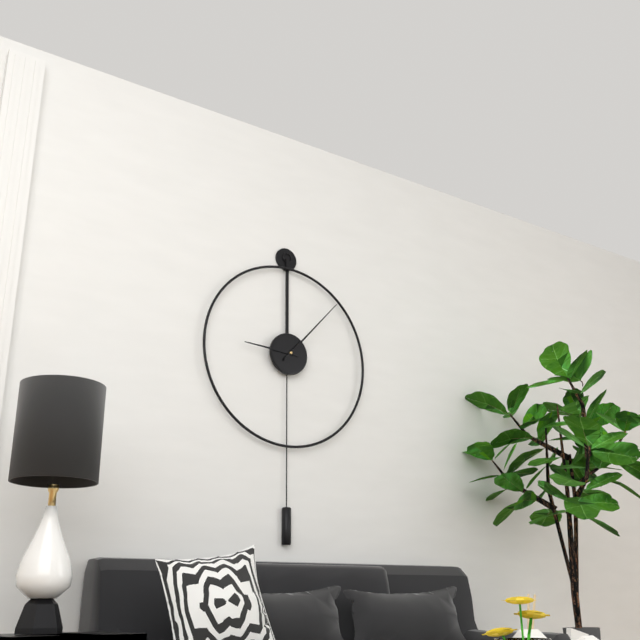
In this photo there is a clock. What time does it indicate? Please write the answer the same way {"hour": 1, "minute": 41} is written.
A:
{"hour": 9, "minute": 7}
